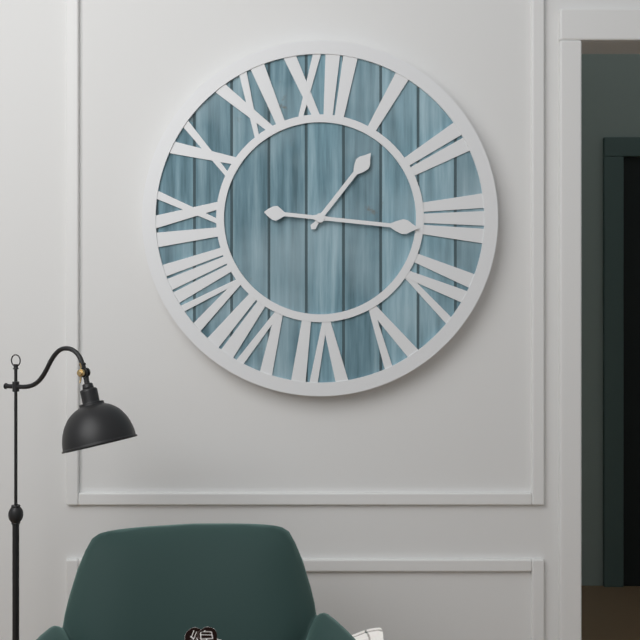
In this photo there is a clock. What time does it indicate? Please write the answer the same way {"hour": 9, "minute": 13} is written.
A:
{"hour": 1, "minute": 16}
